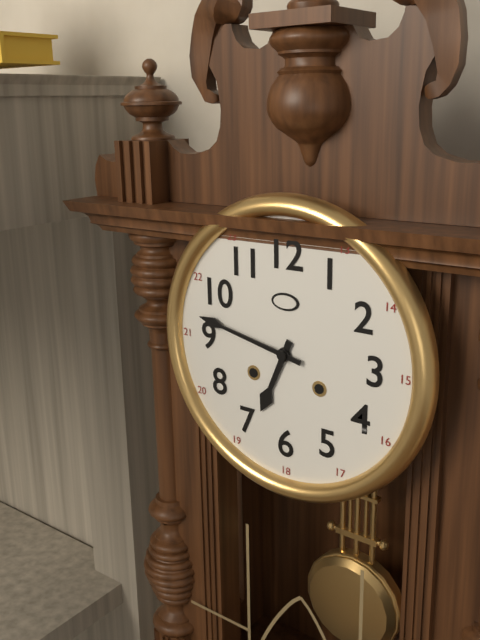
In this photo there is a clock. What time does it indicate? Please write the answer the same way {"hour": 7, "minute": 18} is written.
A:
{"hour": 6, "minute": 47}
